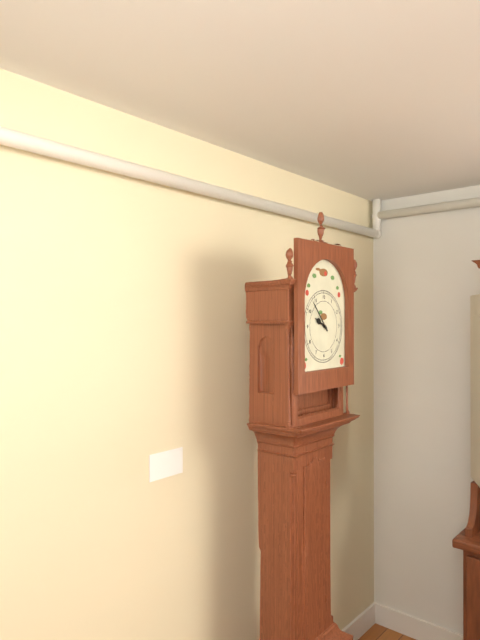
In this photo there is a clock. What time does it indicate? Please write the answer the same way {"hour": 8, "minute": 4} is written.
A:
{"hour": 9, "minute": 53}
